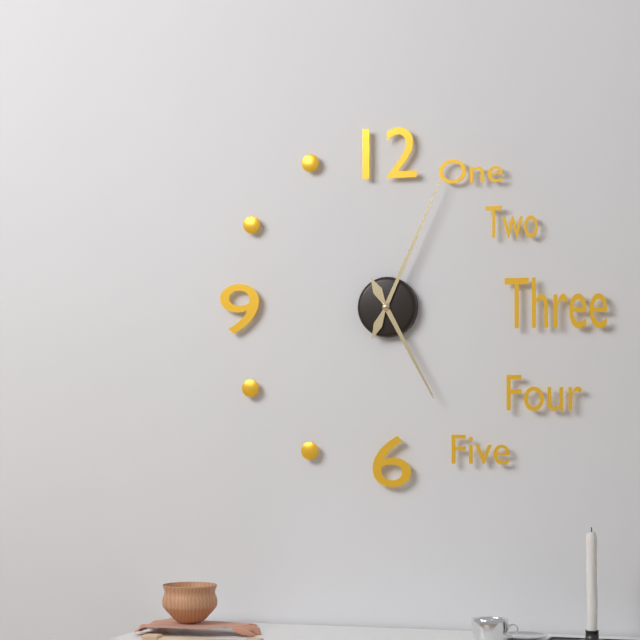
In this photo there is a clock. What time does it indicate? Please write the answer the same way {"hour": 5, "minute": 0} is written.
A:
{"hour": 5, "minute": 4}
